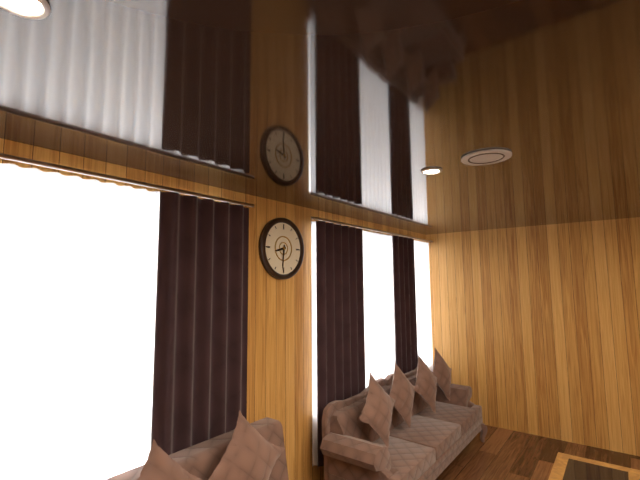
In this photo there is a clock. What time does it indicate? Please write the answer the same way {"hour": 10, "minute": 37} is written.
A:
{"hour": 8, "minute": 31}
